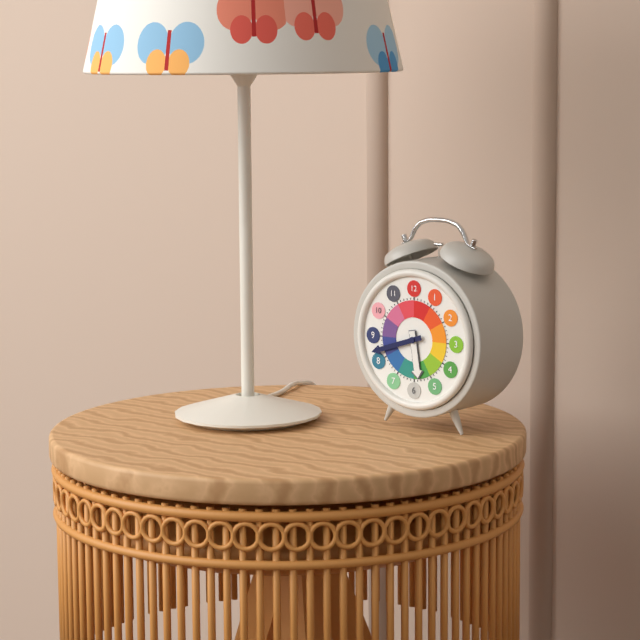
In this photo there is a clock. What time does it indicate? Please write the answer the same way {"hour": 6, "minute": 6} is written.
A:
{"hour": 5, "minute": 42}
